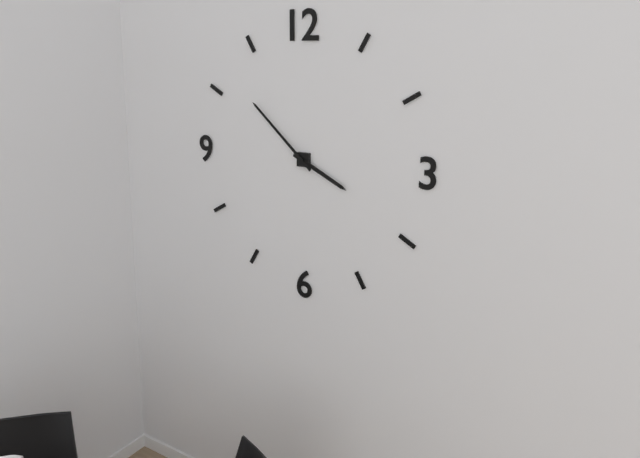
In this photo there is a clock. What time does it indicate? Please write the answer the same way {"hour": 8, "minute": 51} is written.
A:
{"hour": 3, "minute": 52}
